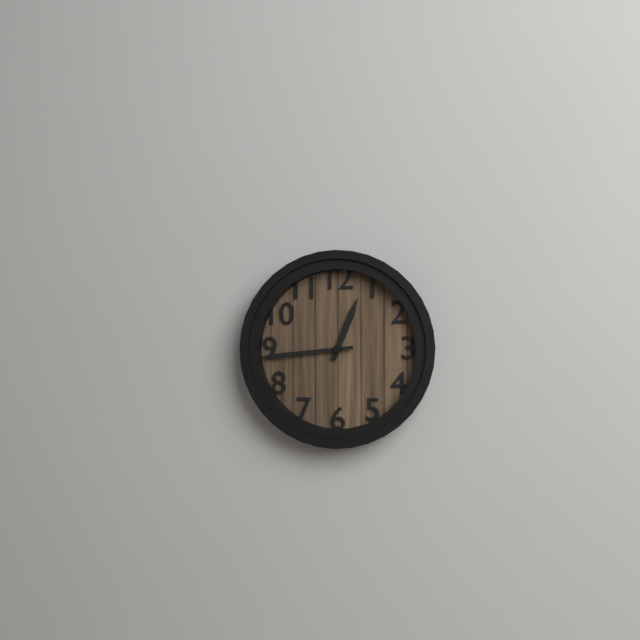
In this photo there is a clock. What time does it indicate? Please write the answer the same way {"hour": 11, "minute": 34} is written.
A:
{"hour": 12, "minute": 44}
